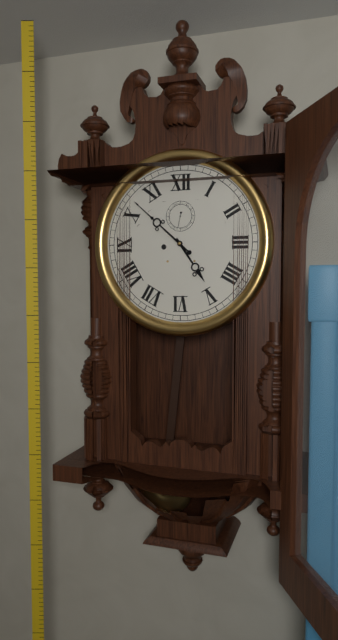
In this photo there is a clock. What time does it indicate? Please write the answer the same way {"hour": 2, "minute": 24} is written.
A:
{"hour": 4, "minute": 52}
